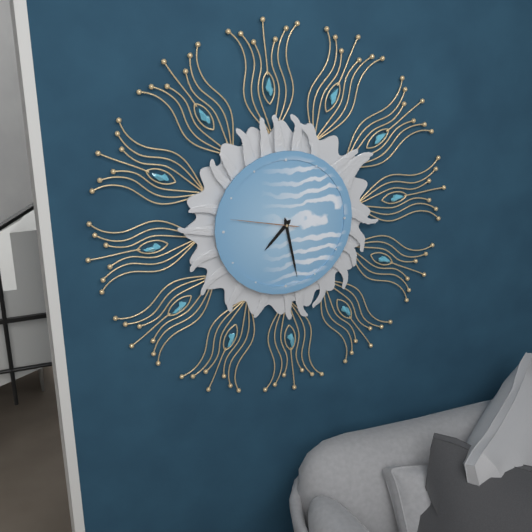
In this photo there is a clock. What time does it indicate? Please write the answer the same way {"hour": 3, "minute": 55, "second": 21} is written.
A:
{"hour": 7, "minute": 28, "second": 47}
